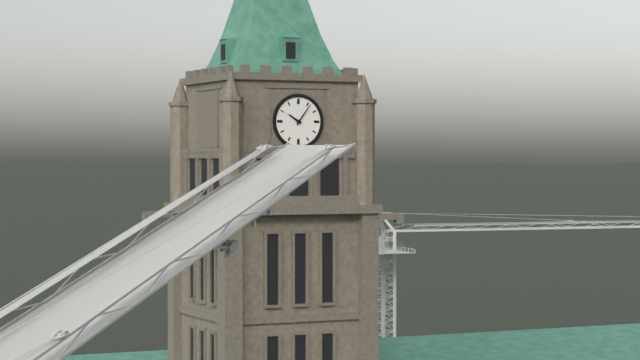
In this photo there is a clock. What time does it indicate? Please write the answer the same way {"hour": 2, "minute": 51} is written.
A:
{"hour": 10, "minute": 6}
